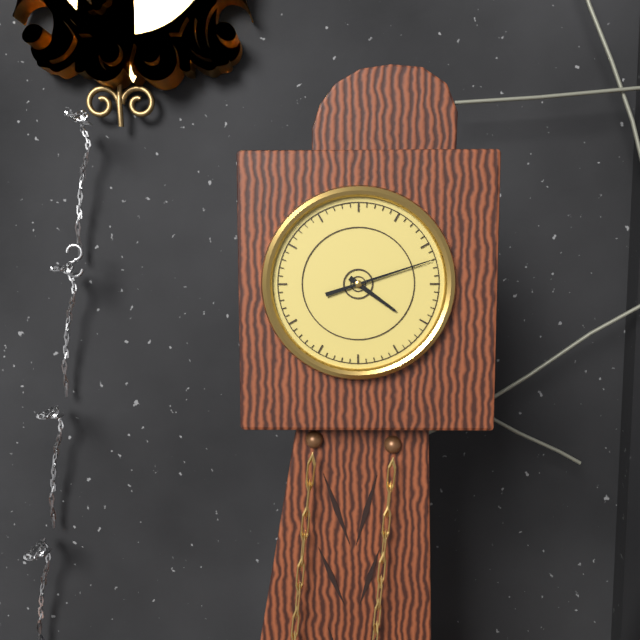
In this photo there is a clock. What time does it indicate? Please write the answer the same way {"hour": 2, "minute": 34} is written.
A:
{"hour": 4, "minute": 12}
